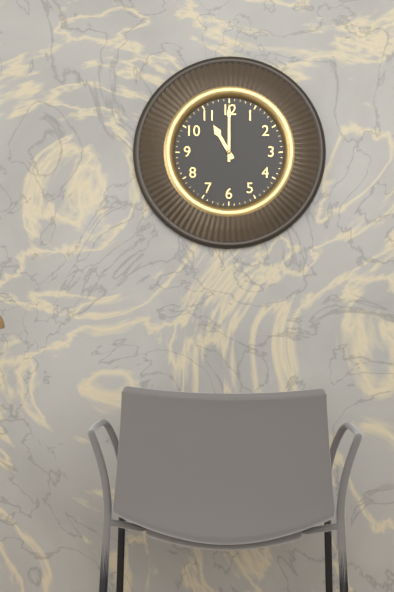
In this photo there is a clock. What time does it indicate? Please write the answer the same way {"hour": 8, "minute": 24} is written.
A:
{"hour": 11, "minute": 0}
